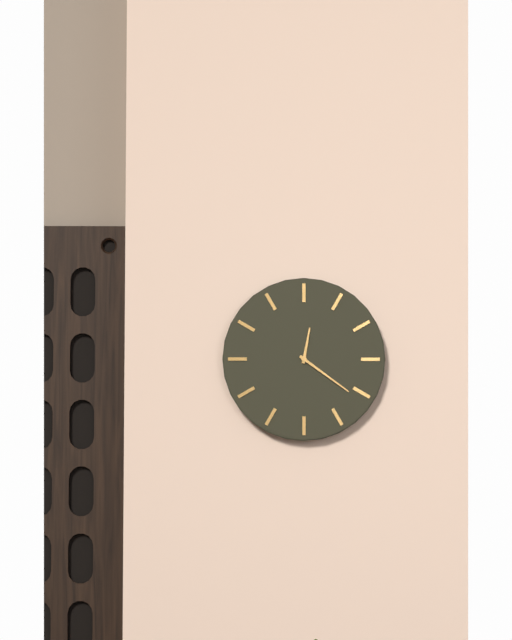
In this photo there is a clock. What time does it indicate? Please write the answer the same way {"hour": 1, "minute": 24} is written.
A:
{"hour": 12, "minute": 21}
